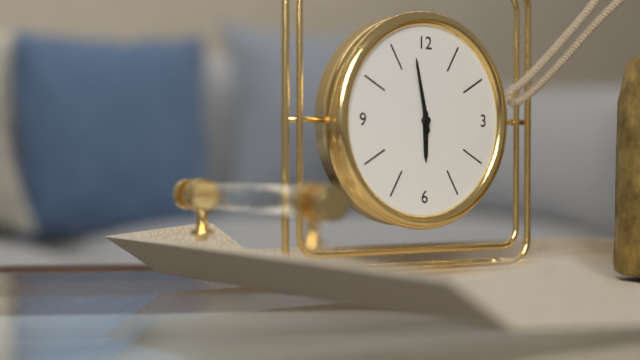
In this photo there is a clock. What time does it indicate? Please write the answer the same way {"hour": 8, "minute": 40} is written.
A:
{"hour": 5, "minute": 58}
